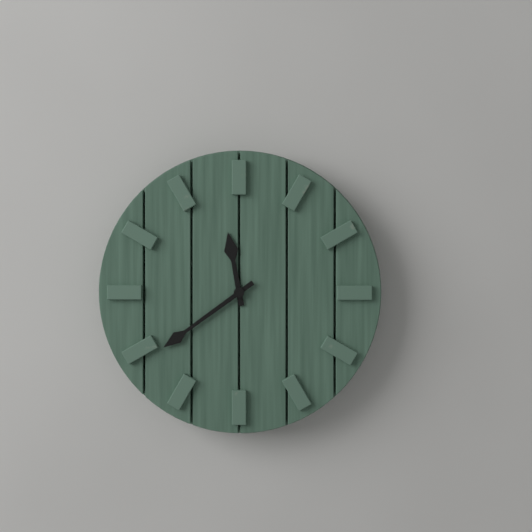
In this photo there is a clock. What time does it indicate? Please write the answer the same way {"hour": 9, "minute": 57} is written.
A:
{"hour": 11, "minute": 39}
